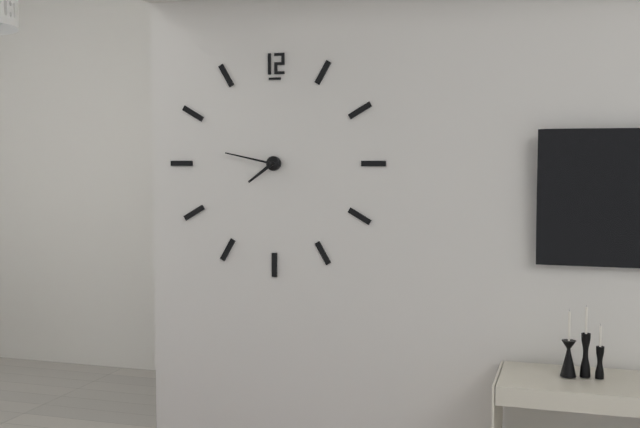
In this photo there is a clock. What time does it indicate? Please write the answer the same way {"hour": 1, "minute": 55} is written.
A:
{"hour": 7, "minute": 47}
